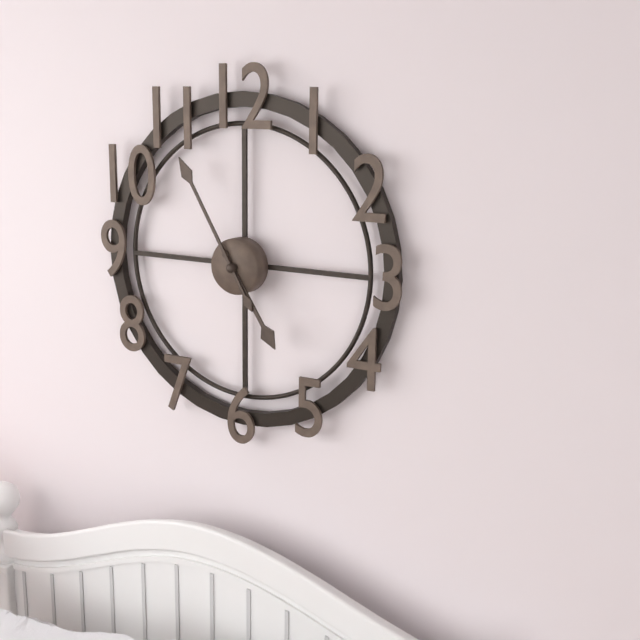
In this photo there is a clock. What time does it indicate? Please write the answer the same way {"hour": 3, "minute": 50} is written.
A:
{"hour": 4, "minute": 55}
